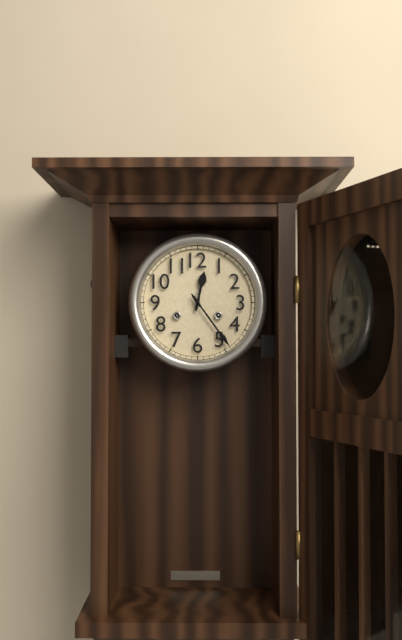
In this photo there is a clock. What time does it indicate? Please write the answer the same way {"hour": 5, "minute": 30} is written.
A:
{"hour": 12, "minute": 24}
